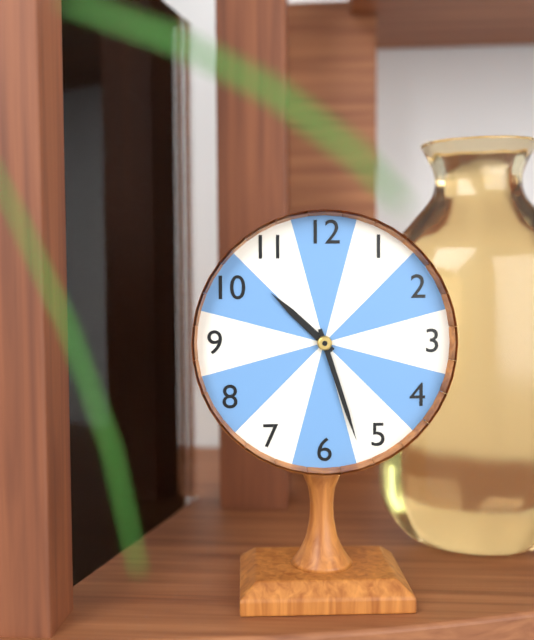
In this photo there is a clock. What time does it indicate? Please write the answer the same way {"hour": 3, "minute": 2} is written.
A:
{"hour": 10, "minute": 27}
